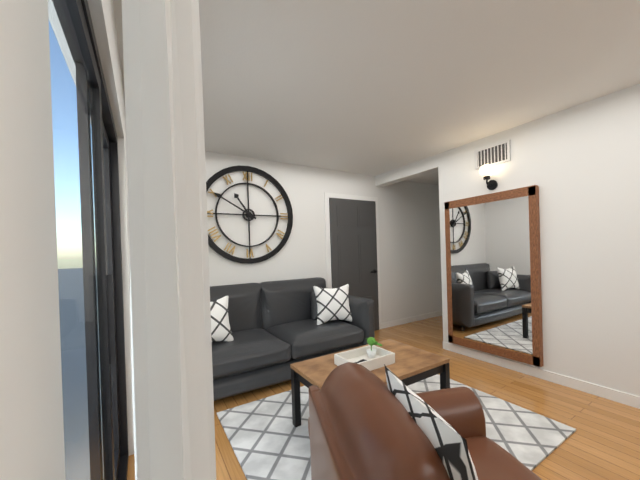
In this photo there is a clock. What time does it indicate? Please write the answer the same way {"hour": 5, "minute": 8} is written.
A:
{"hour": 10, "minute": 50}
